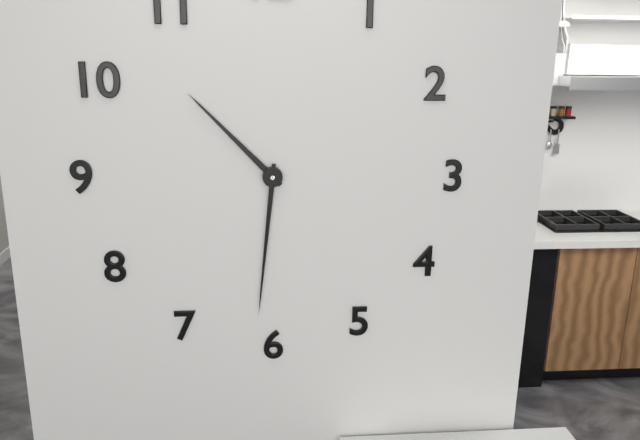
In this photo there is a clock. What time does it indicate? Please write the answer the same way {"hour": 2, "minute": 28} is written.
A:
{"hour": 10, "minute": 31}
